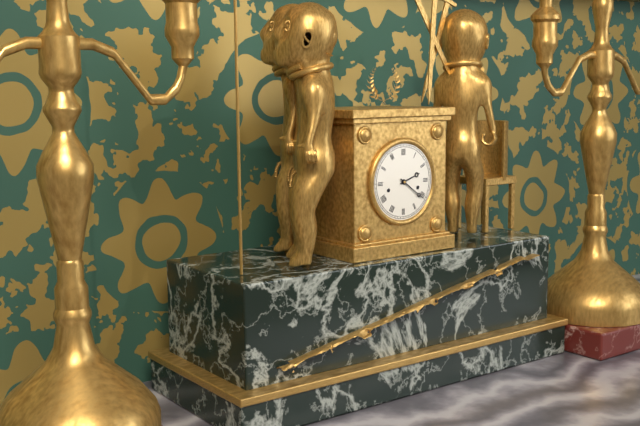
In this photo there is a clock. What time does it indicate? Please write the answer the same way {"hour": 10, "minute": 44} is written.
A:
{"hour": 2, "minute": 21}
